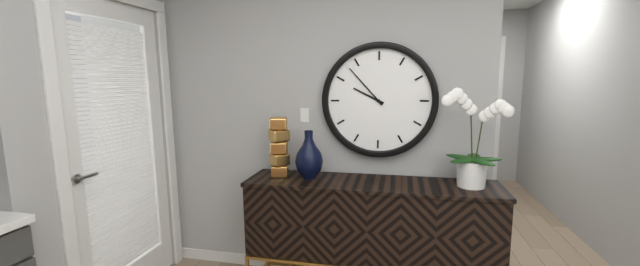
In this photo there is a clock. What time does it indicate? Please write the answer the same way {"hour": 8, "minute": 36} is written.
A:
{"hour": 9, "minute": 53}
